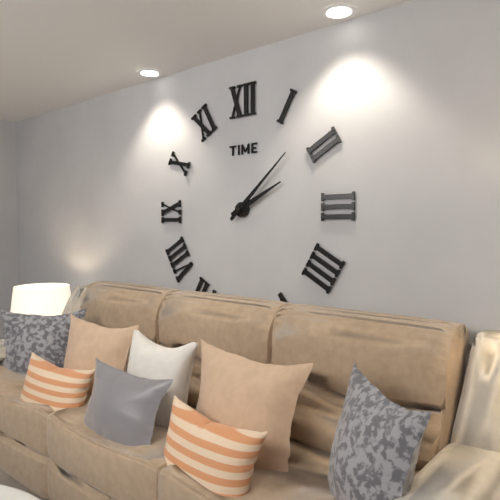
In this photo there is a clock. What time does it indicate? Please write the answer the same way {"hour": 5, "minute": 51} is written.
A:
{"hour": 2, "minute": 8}
